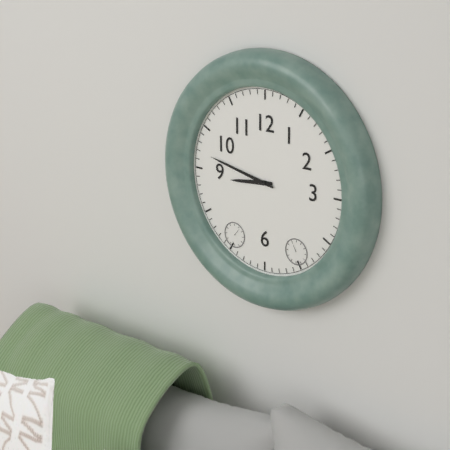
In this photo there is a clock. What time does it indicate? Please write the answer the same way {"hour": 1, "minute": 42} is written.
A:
{"hour": 8, "minute": 47}
